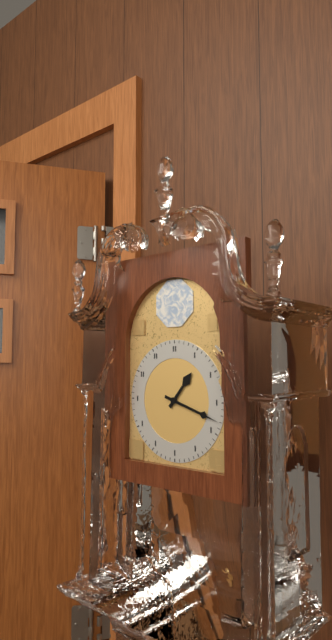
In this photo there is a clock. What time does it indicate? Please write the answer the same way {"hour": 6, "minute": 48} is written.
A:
{"hour": 1, "minute": 18}
